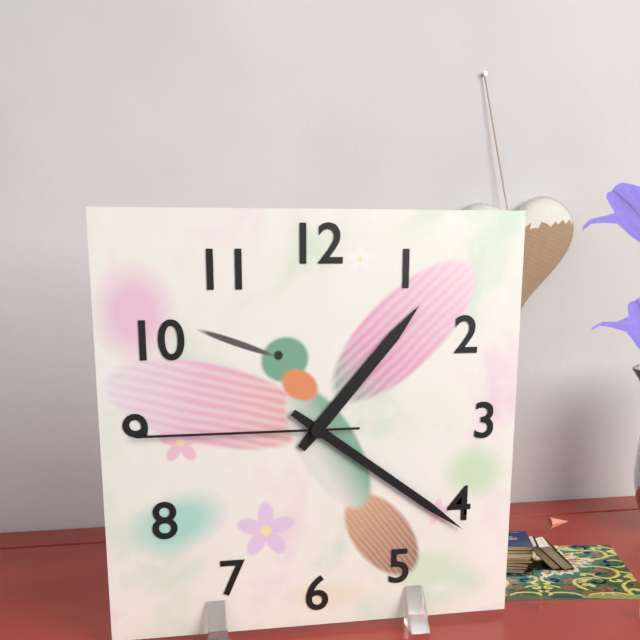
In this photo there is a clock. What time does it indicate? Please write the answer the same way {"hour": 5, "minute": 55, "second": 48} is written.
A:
{"hour": 1, "minute": 21, "second": 45}
